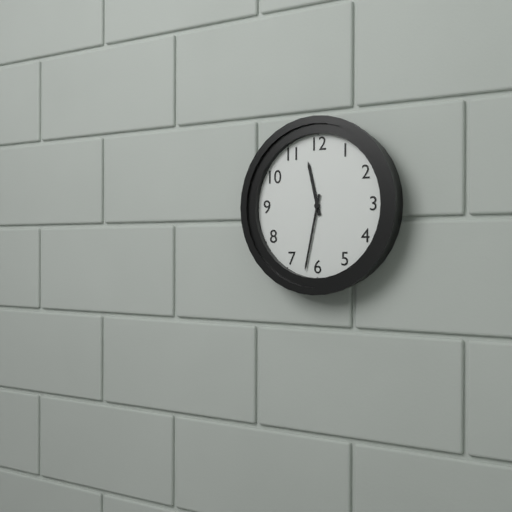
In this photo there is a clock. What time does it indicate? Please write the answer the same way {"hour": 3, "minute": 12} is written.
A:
{"hour": 11, "minute": 32}
